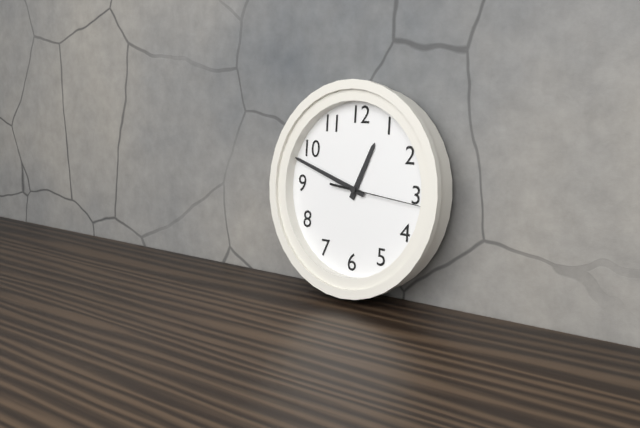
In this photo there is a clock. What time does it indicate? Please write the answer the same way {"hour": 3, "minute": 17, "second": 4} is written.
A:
{"hour": 12, "minute": 48, "second": 16}
